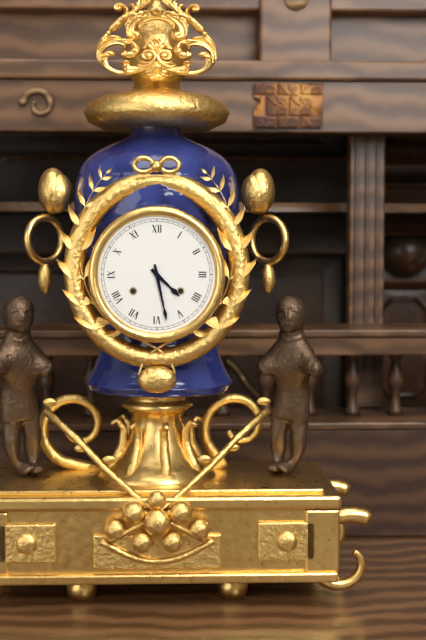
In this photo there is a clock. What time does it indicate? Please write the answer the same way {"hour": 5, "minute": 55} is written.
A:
{"hour": 4, "minute": 28}
